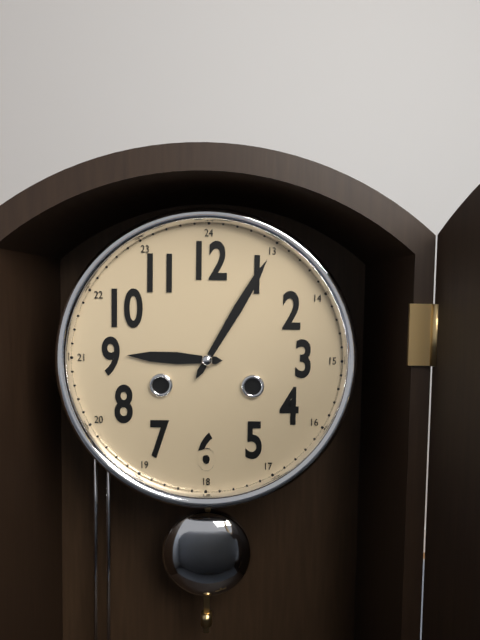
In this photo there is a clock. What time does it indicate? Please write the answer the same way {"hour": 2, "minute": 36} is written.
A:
{"hour": 9, "minute": 5}
